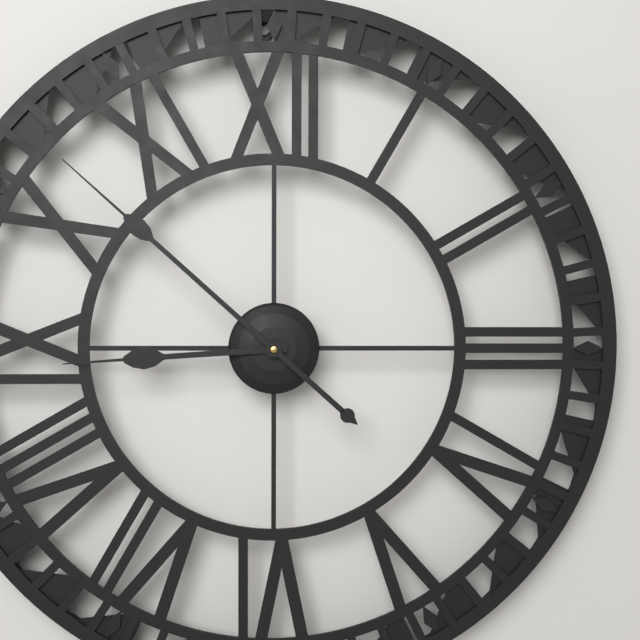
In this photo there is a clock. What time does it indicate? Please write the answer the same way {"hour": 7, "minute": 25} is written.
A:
{"hour": 8, "minute": 52}
